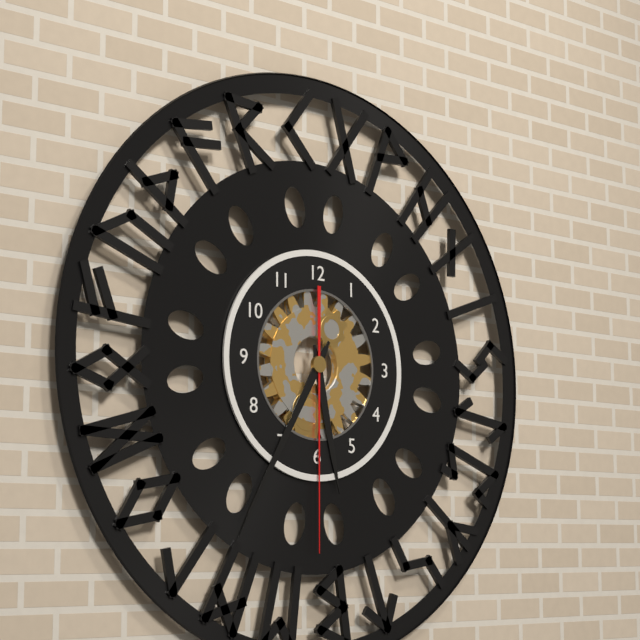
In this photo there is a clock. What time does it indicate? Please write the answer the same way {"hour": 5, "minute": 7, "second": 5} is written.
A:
{"hour": 5, "minute": 35, "second": 30}
